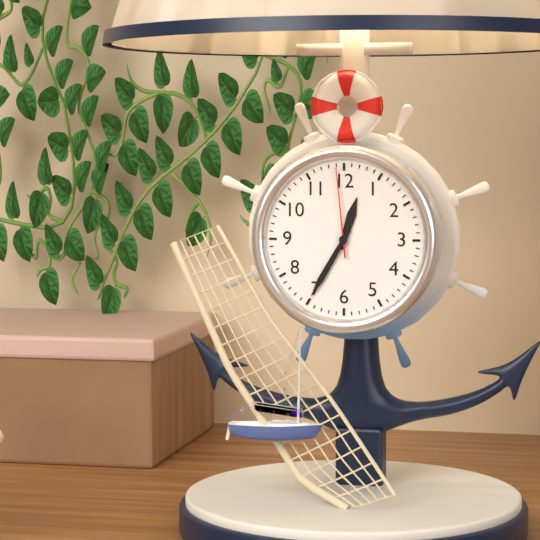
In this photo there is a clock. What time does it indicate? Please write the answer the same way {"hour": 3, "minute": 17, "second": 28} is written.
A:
{"hour": 12, "minute": 35, "second": 59}
